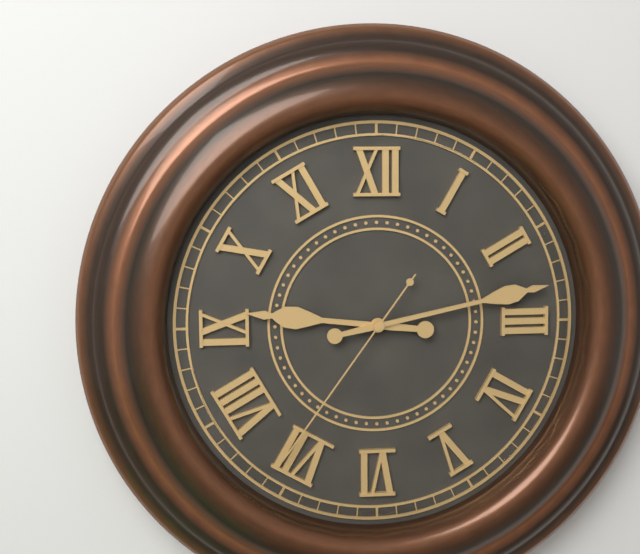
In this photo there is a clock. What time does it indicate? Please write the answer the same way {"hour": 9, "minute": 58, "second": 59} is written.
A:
{"hour": 9, "minute": 13, "second": 36}
